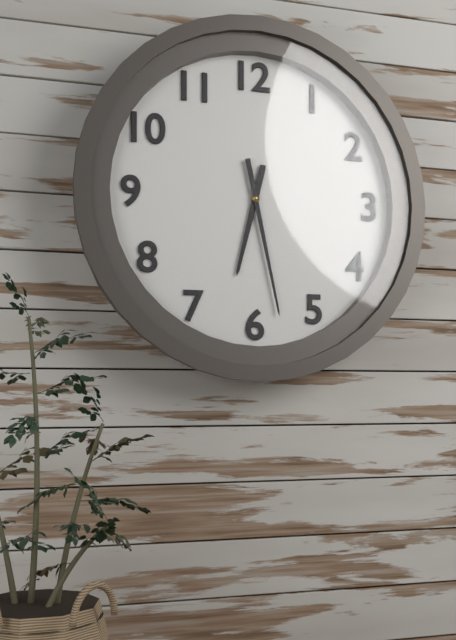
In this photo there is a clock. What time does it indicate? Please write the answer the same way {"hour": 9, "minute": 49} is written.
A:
{"hour": 6, "minute": 28}
